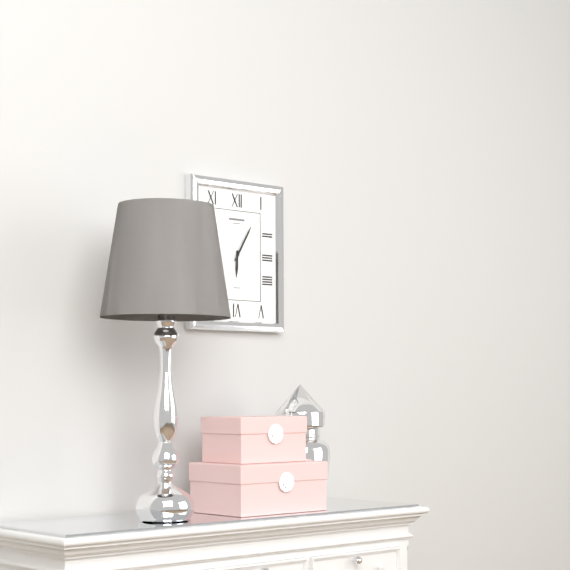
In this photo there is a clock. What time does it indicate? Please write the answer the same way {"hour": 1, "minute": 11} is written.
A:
{"hour": 6, "minute": 5}
